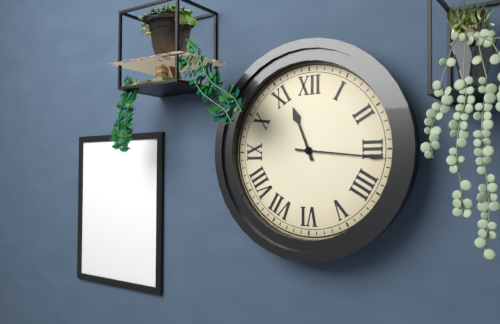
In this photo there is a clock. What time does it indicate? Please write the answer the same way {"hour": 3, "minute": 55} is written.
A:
{"hour": 11, "minute": 16}
